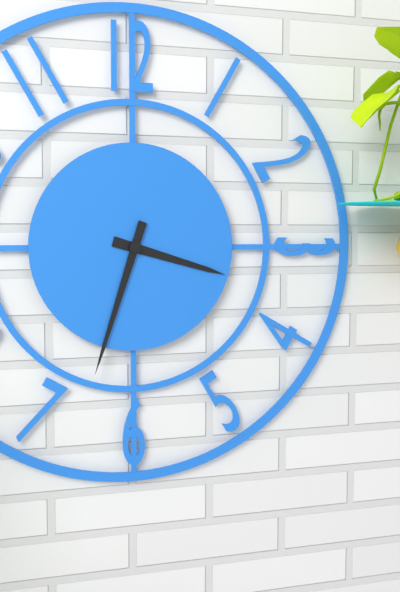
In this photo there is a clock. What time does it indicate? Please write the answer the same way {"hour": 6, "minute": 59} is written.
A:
{"hour": 3, "minute": 33}
